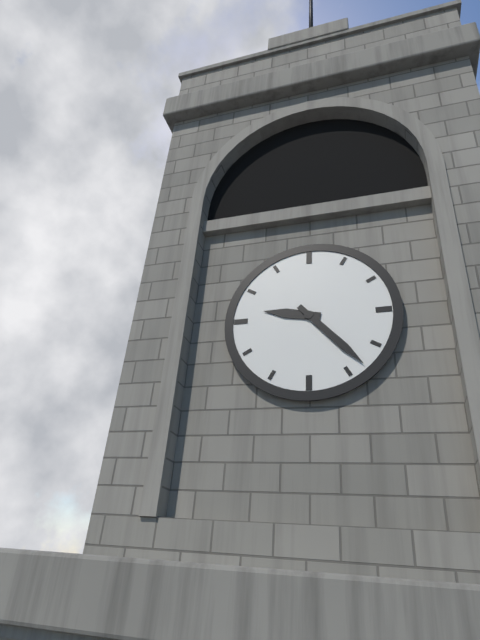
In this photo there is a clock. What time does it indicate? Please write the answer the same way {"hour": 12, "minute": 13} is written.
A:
{"hour": 9, "minute": 23}
